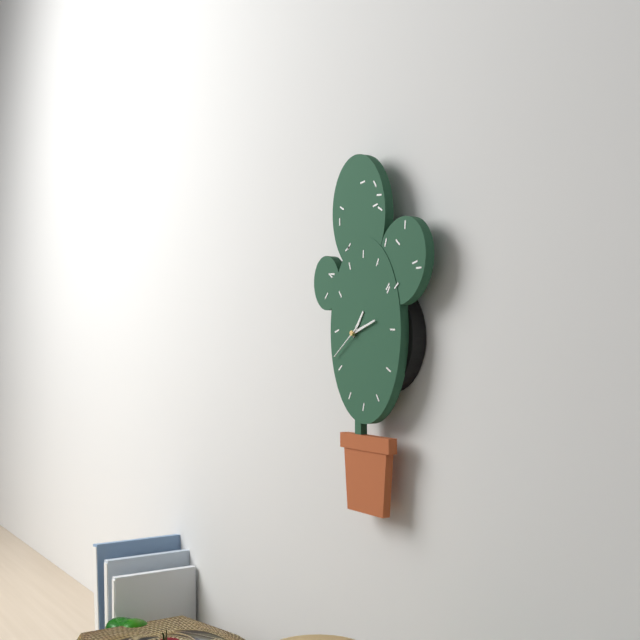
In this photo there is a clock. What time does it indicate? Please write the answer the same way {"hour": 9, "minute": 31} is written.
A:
{"hour": 1, "minute": 12}
